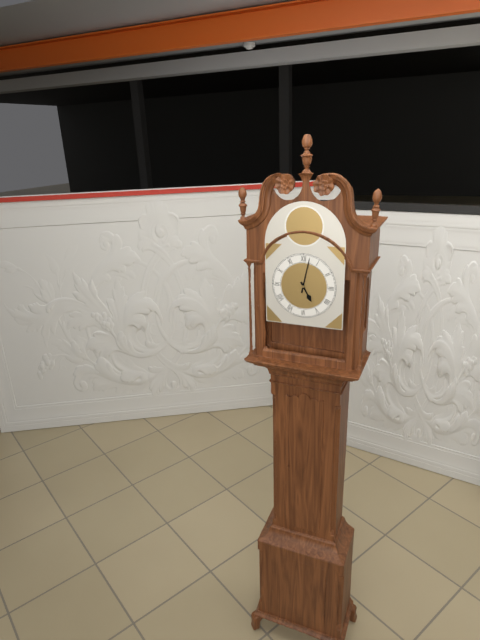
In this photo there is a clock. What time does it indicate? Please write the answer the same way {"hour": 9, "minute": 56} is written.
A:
{"hour": 5, "minute": 2}
